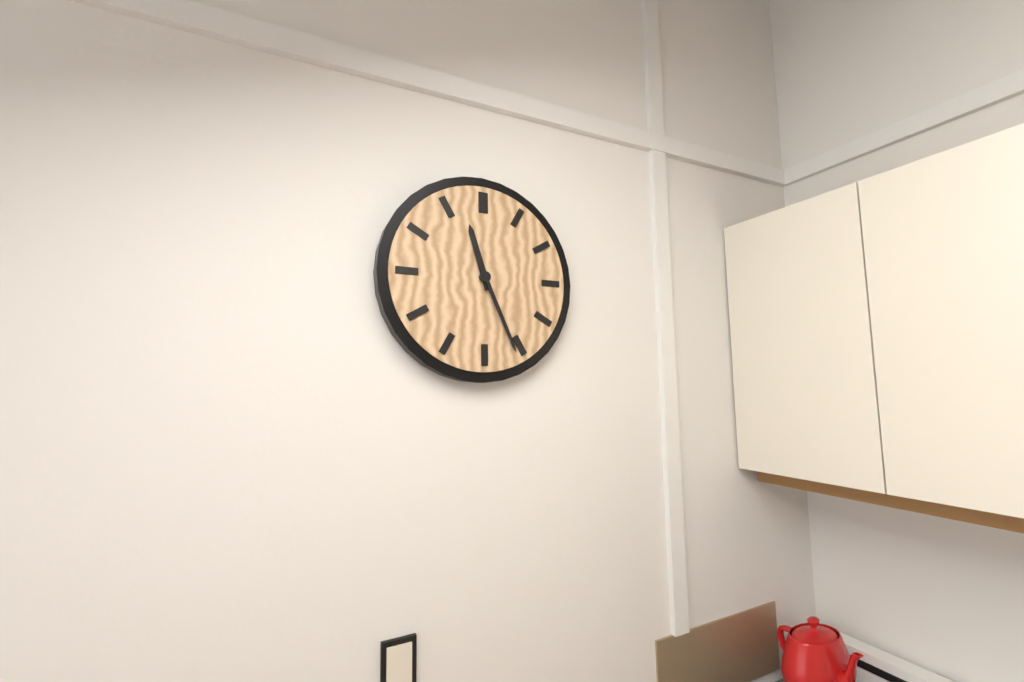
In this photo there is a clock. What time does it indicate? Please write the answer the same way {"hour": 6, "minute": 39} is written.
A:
{"hour": 11, "minute": 26}
